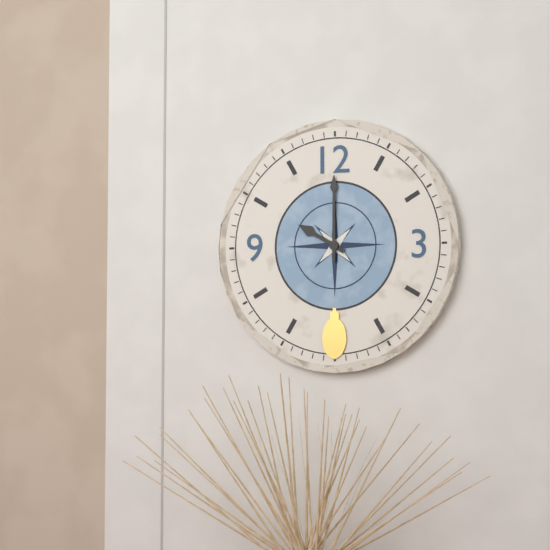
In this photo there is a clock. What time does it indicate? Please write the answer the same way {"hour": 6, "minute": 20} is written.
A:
{"hour": 10, "minute": 0}
